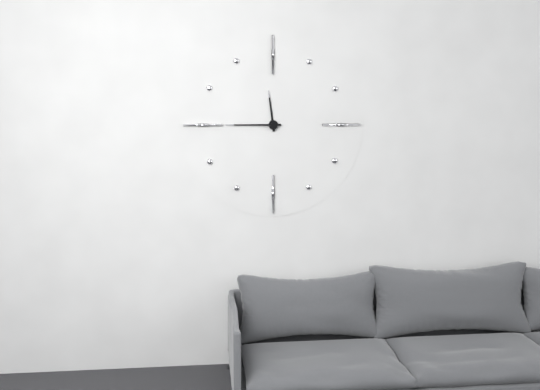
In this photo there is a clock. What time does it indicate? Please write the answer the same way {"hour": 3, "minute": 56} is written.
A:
{"hour": 11, "minute": 45}
